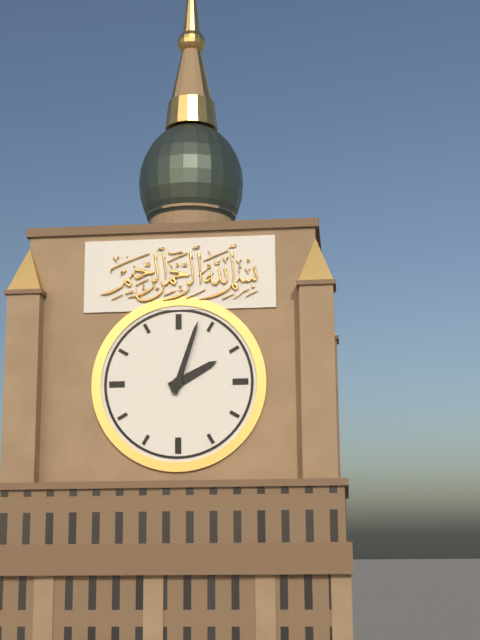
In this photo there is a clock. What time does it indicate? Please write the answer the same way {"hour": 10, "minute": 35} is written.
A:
{"hour": 2, "minute": 3}
